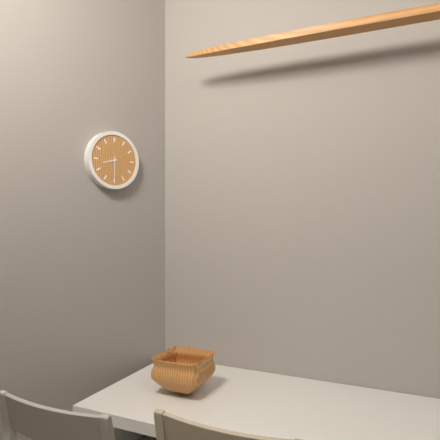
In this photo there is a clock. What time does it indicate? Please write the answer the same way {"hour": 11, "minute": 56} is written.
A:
{"hour": 8, "minute": 30}
